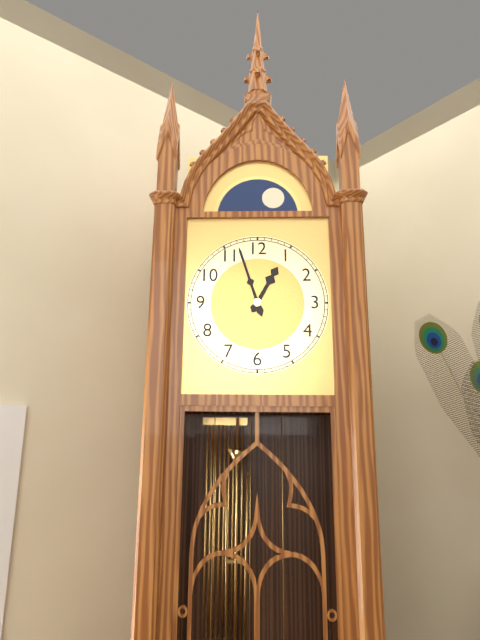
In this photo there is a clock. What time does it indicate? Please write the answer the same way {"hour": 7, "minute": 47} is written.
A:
{"hour": 12, "minute": 57}
